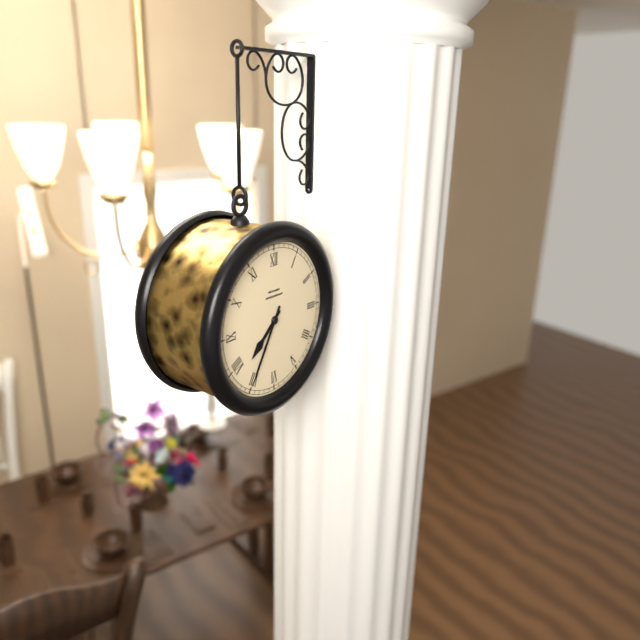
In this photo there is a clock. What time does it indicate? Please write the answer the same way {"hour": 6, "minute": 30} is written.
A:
{"hour": 7, "minute": 35}
